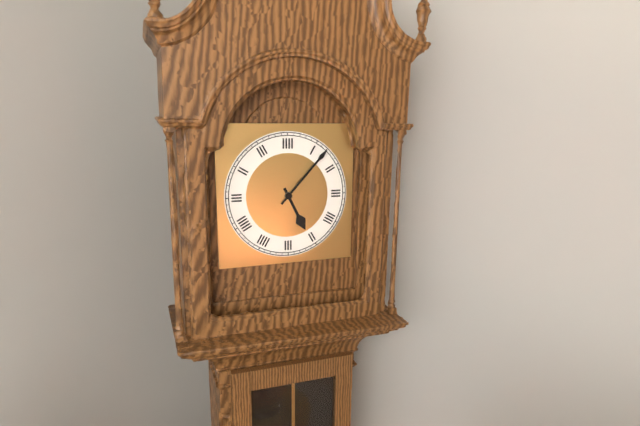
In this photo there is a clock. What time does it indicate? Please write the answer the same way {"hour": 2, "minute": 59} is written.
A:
{"hour": 5, "minute": 7}
